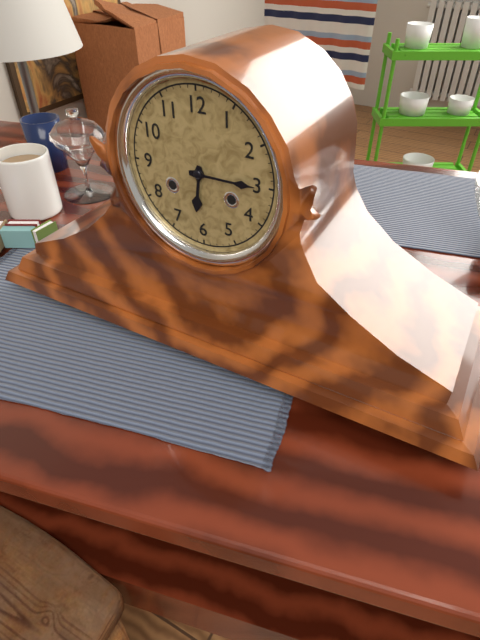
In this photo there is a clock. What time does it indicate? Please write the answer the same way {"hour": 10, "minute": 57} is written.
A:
{"hour": 6, "minute": 15}
